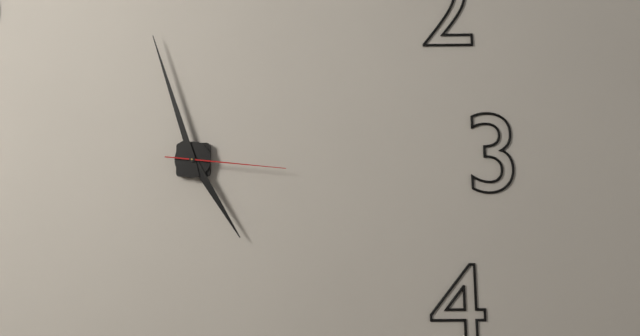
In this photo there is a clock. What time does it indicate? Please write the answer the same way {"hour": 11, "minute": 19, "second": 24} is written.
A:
{"hour": 4, "minute": 57, "second": 16}
